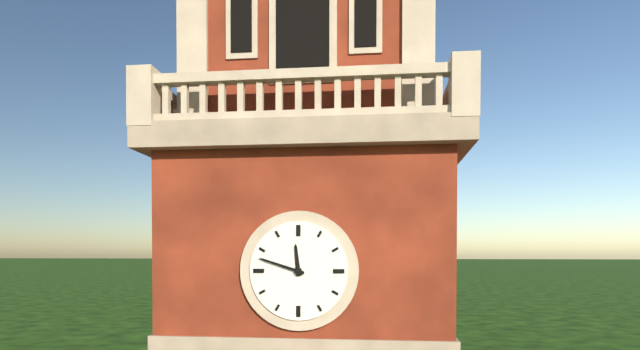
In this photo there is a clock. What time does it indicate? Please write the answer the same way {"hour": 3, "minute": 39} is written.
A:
{"hour": 11, "minute": 48}
